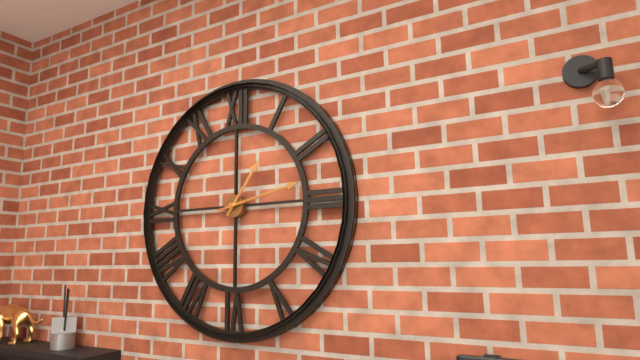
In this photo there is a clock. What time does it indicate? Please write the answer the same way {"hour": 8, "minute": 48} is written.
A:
{"hour": 1, "minute": 13}
